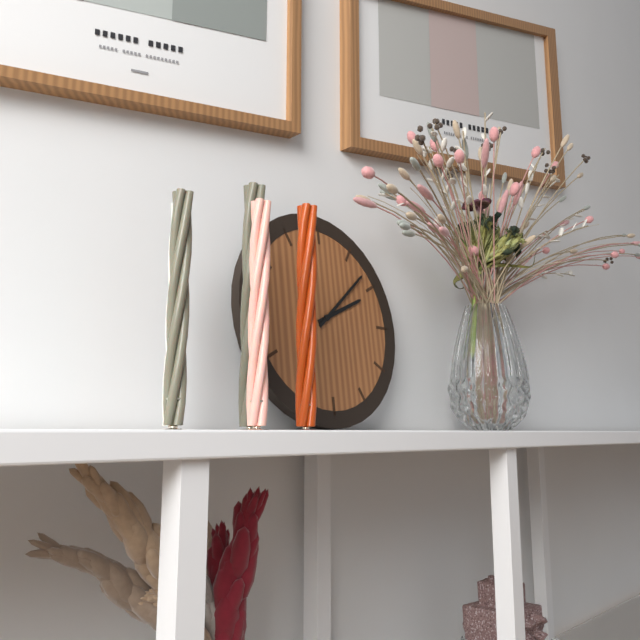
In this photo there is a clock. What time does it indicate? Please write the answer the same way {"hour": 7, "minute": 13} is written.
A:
{"hour": 2, "minute": 8}
